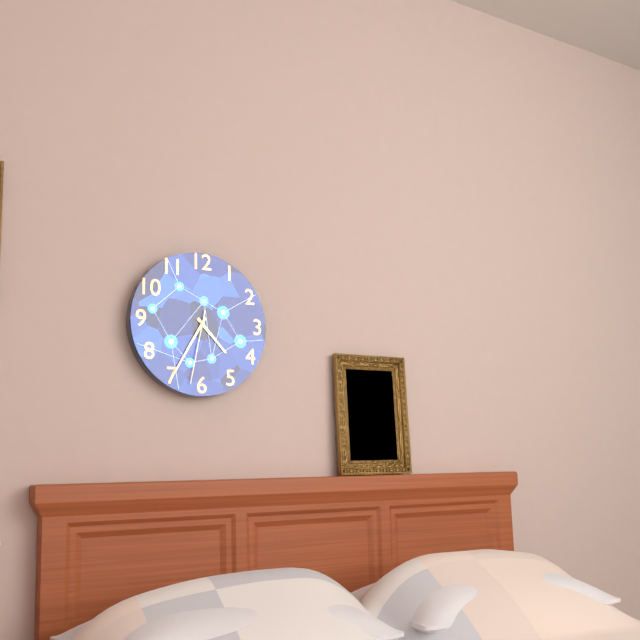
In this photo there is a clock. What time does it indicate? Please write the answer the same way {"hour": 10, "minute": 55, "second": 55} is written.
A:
{"hour": 4, "minute": 35, "second": 32}
